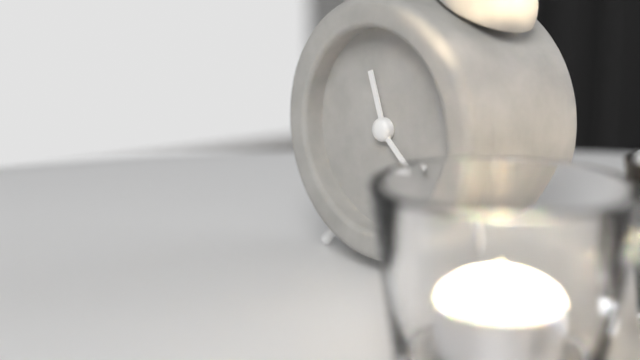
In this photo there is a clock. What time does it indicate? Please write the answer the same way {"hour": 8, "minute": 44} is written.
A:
{"hour": 11, "minute": 22}
